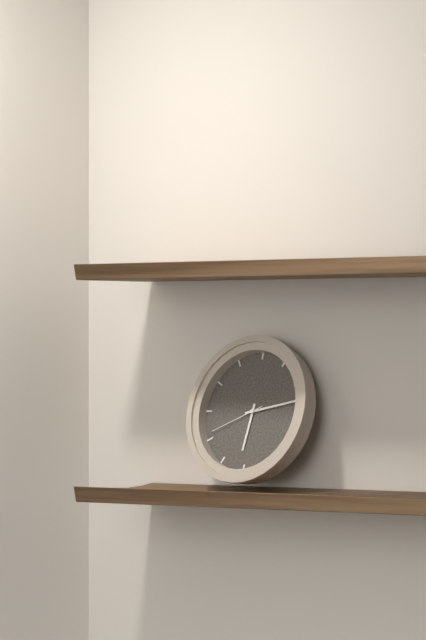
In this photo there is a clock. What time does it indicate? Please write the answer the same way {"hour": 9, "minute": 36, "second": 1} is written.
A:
{"hour": 6, "minute": 13, "second": 41}
